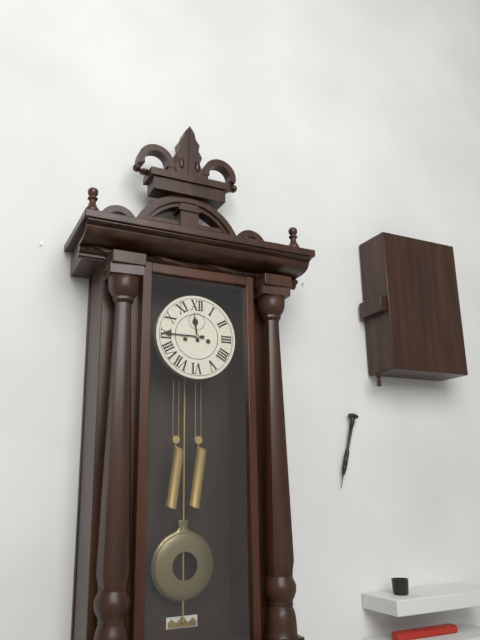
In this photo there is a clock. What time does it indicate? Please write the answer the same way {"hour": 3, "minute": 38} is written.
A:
{"hour": 11, "minute": 45}
